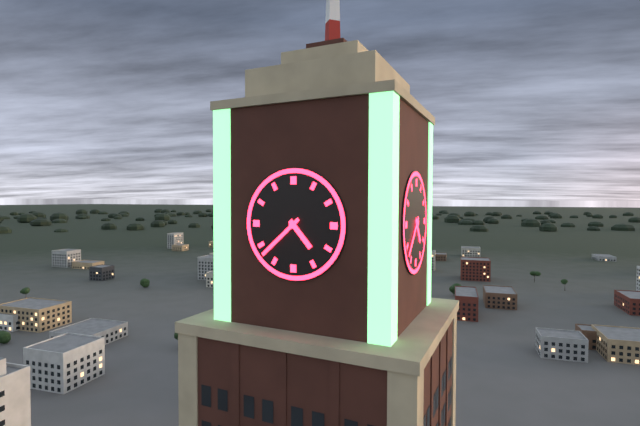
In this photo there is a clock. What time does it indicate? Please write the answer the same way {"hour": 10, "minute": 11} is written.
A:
{"hour": 4, "minute": 38}
